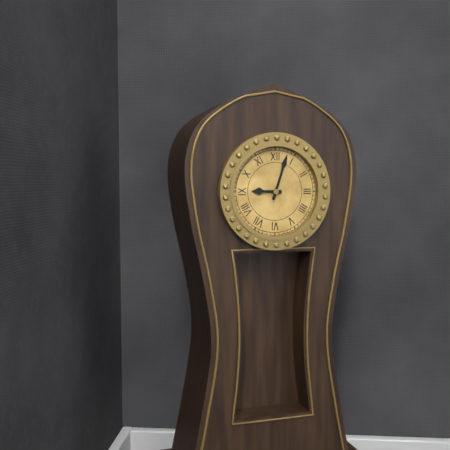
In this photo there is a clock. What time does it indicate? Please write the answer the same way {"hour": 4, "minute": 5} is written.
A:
{"hour": 9, "minute": 3}
